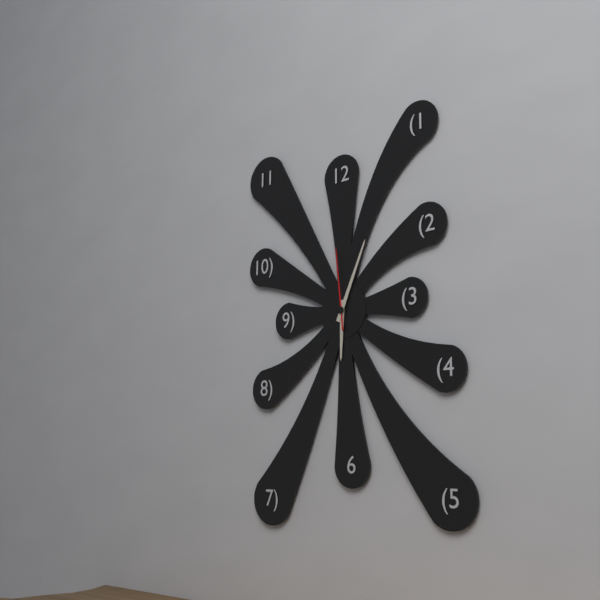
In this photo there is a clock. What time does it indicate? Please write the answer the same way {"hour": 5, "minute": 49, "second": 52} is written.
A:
{"hour": 6, "minute": 4, "second": 59}
